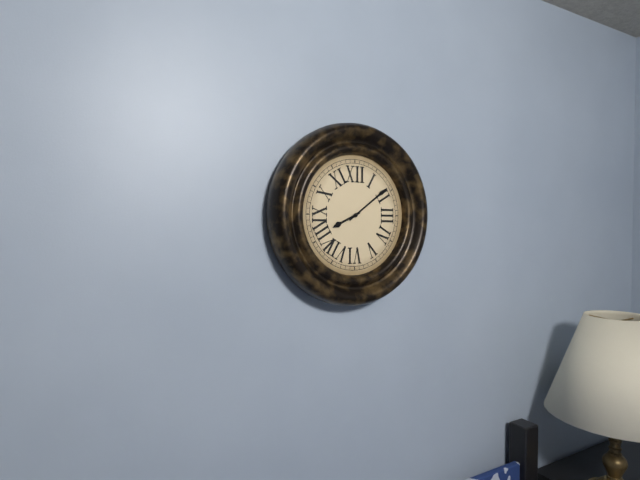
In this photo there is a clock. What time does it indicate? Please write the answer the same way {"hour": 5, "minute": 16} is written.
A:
{"hour": 8, "minute": 9}
